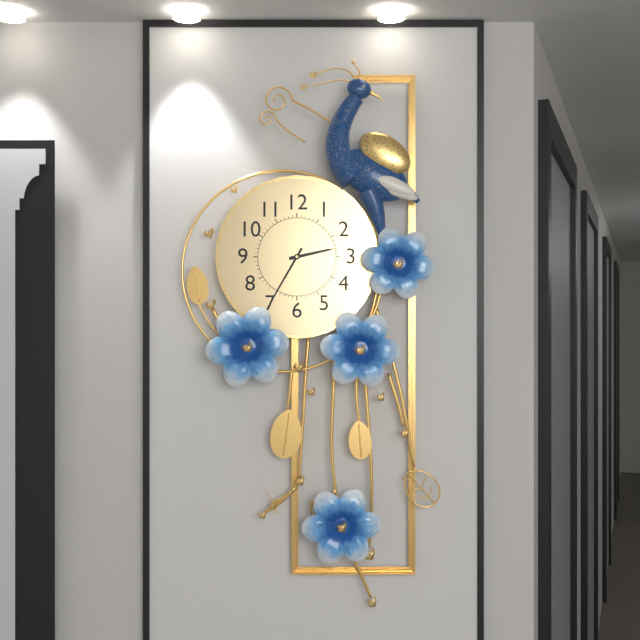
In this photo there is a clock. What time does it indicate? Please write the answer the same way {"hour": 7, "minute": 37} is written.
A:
{"hour": 2, "minute": 35}
